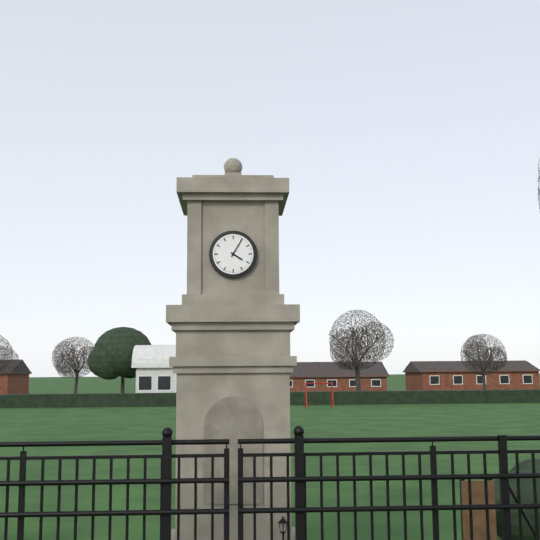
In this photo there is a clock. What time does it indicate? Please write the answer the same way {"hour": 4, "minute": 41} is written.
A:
{"hour": 4, "minute": 5}
